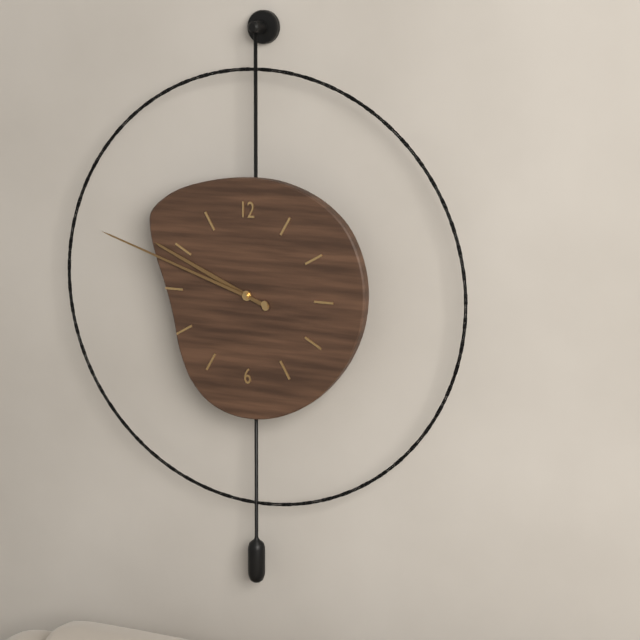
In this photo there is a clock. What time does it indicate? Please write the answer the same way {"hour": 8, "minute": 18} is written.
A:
{"hour": 9, "minute": 48}
